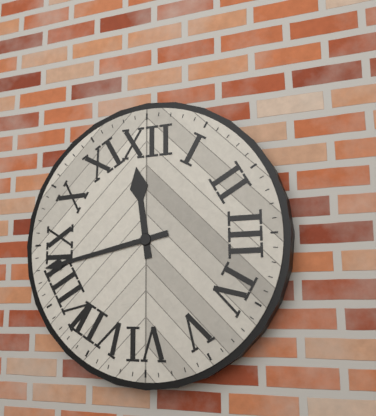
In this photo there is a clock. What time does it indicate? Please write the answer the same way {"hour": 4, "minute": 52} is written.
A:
{"hour": 11, "minute": 43}
